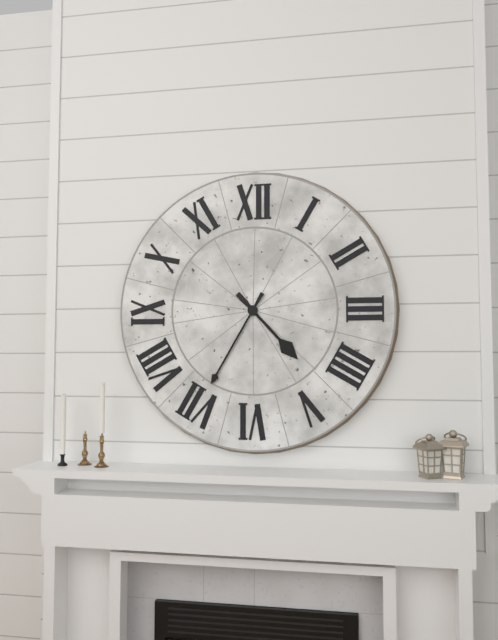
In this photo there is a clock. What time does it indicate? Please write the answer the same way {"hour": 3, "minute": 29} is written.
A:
{"hour": 4, "minute": 35}
